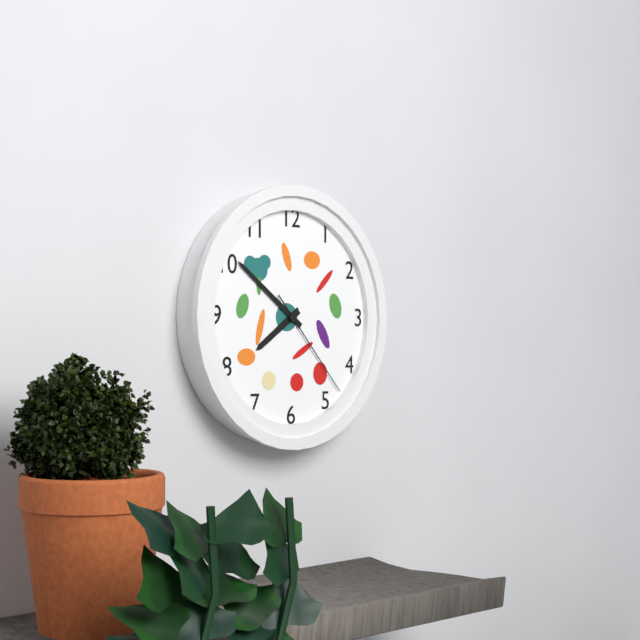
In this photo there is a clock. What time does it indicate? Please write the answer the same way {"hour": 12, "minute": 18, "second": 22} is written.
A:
{"hour": 7, "minute": 51, "second": 23}
